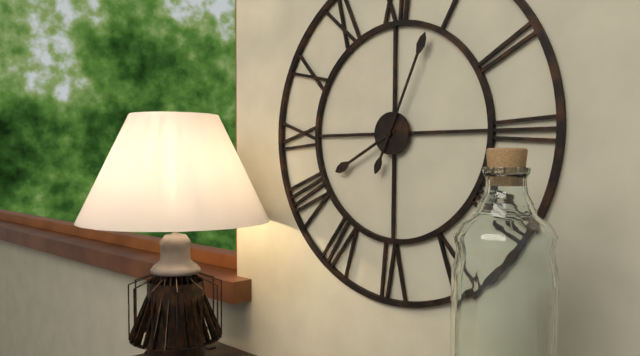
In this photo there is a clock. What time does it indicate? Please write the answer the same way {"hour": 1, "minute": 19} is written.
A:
{"hour": 8, "minute": 4}
